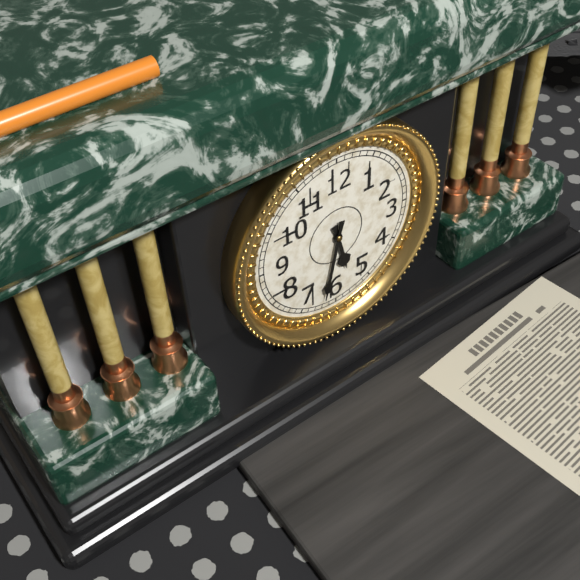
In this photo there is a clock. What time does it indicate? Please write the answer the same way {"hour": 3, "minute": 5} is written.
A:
{"hour": 5, "minute": 32}
